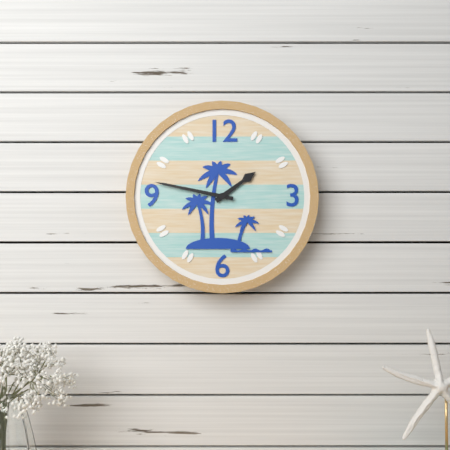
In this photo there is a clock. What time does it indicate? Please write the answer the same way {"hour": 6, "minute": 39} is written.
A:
{"hour": 1, "minute": 47}
